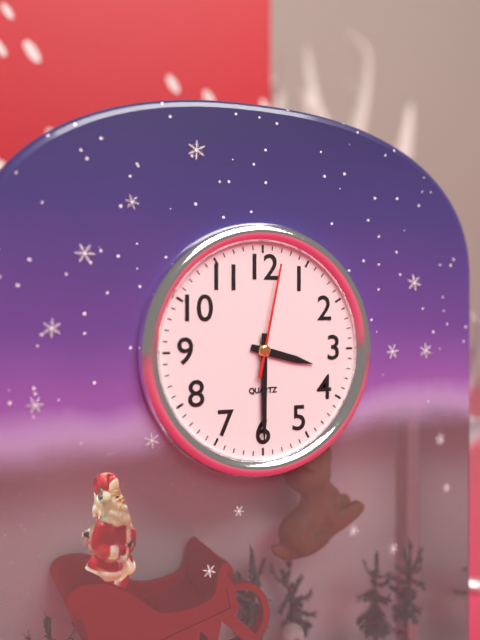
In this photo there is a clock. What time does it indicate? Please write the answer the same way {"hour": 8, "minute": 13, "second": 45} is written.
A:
{"hour": 3, "minute": 30, "second": 2}
